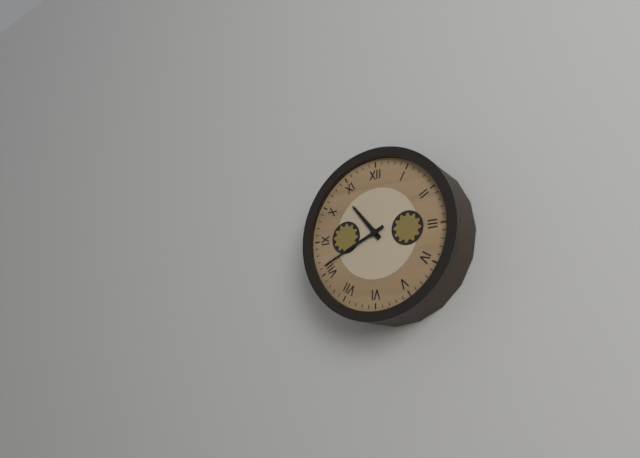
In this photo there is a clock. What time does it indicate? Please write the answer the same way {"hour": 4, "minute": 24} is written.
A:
{"hour": 10, "minute": 41}
